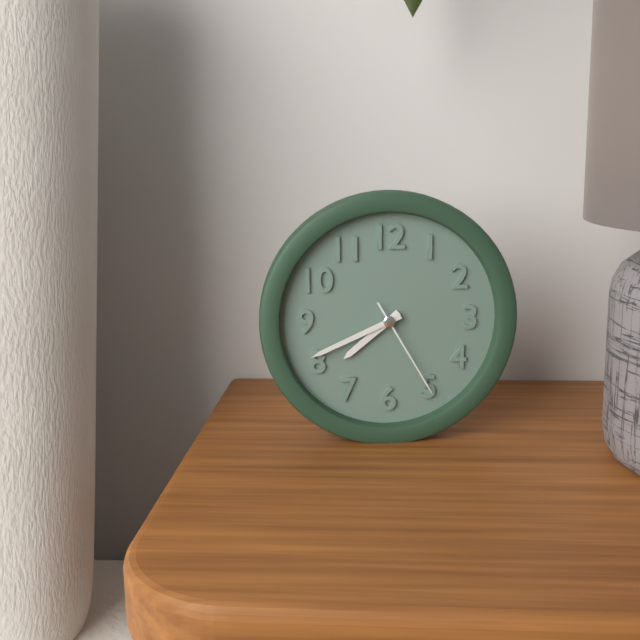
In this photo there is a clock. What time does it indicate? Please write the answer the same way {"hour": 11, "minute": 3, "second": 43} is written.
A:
{"hour": 7, "minute": 41, "second": 25}
